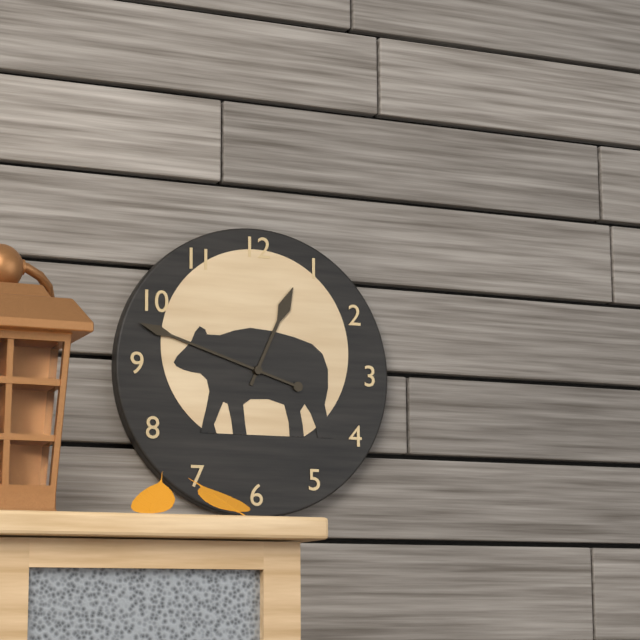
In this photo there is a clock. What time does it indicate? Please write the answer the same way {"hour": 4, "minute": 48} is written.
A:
{"hour": 12, "minute": 48}
